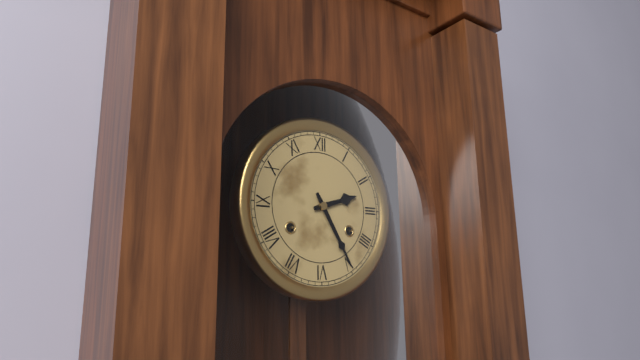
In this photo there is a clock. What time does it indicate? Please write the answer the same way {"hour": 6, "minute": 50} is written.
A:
{"hour": 2, "minute": 25}
